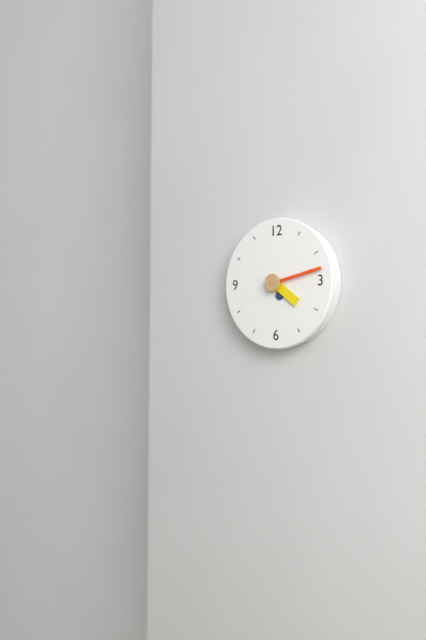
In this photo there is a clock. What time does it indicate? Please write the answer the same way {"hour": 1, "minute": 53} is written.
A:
{"hour": 4, "minute": 13}
